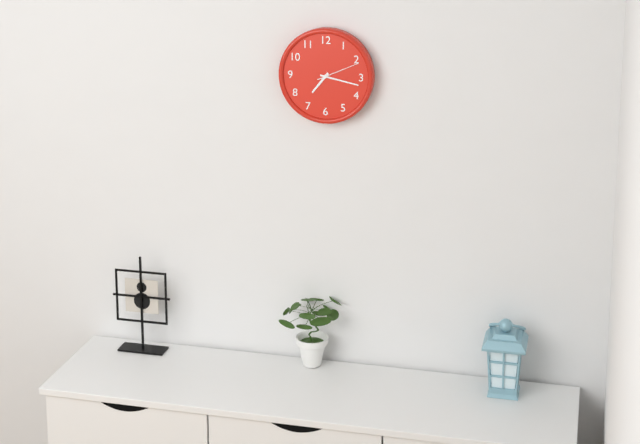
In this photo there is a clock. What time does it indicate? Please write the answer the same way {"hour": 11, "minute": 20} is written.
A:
{"hour": 7, "minute": 17}
